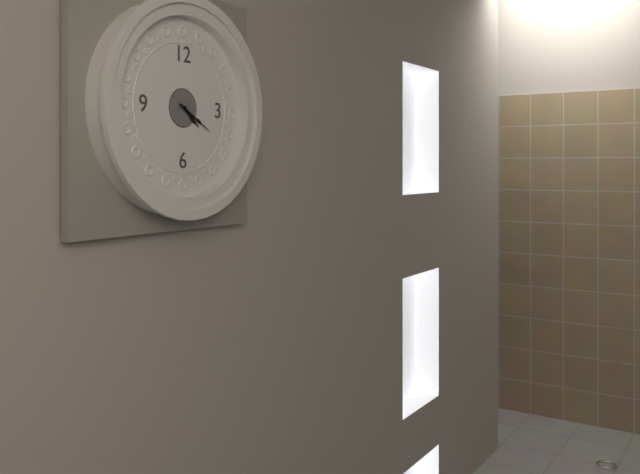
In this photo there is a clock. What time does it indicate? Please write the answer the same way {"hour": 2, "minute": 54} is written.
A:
{"hour": 4, "minute": 20}
